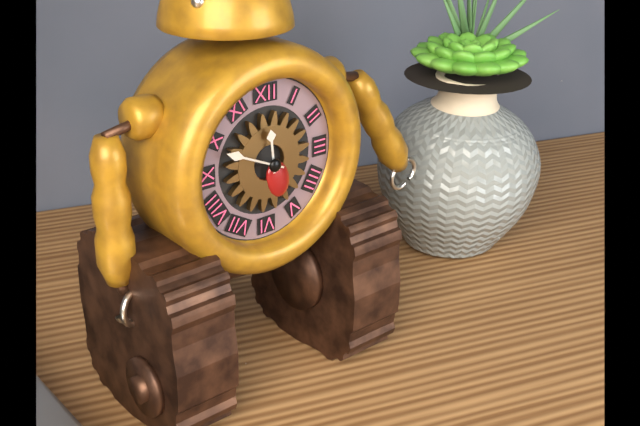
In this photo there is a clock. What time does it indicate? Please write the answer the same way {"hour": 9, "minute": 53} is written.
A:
{"hour": 11, "minute": 49}
